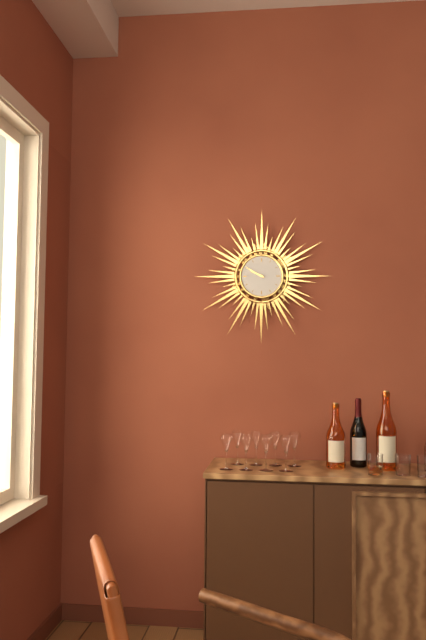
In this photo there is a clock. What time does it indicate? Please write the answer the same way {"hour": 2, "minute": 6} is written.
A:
{"hour": 9, "minute": 50}
